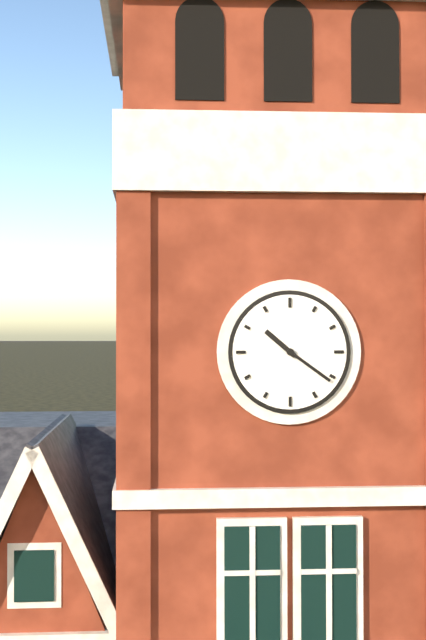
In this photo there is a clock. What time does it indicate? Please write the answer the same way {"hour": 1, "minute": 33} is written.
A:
{"hour": 10, "minute": 21}
